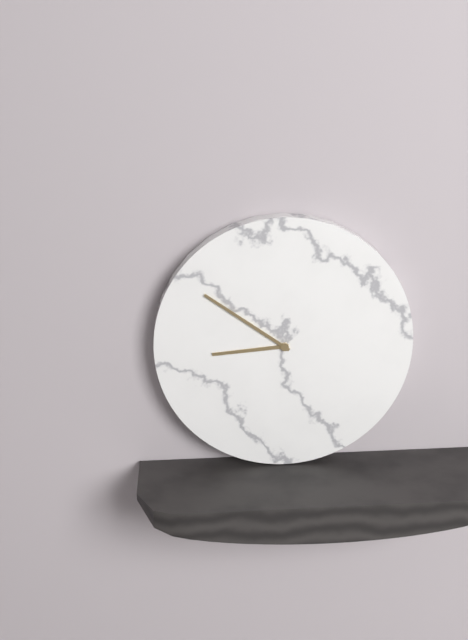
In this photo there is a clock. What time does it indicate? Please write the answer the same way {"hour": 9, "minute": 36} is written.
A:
{"hour": 8, "minute": 51}
